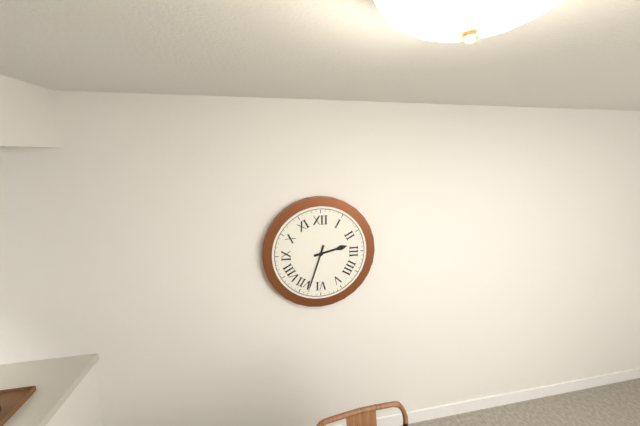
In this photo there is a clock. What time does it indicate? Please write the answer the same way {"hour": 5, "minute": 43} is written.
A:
{"hour": 2, "minute": 33}
